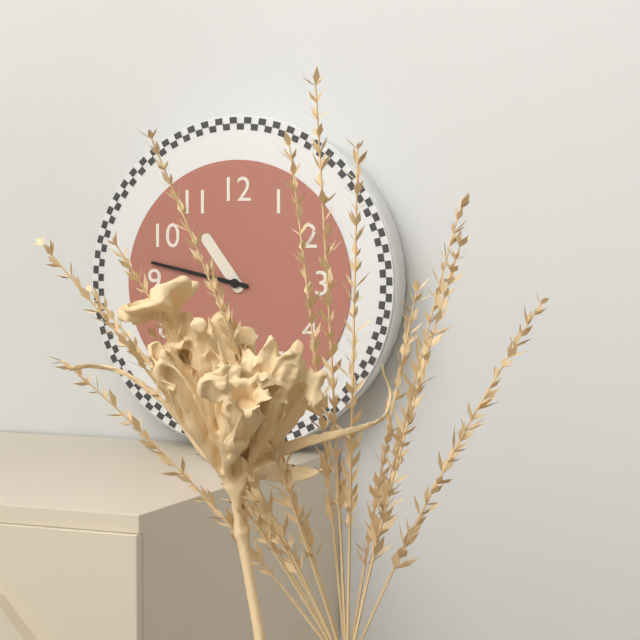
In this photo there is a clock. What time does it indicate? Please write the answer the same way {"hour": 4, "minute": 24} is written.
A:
{"hour": 10, "minute": 47}
